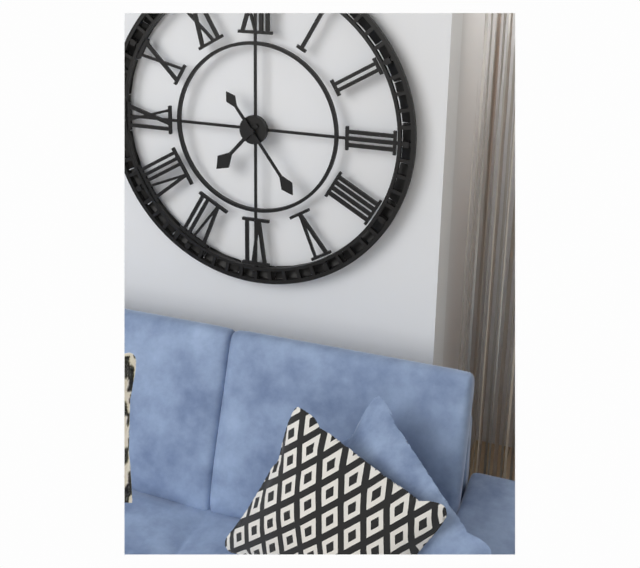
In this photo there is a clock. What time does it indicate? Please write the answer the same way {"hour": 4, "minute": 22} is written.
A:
{"hour": 7, "minute": 24}
